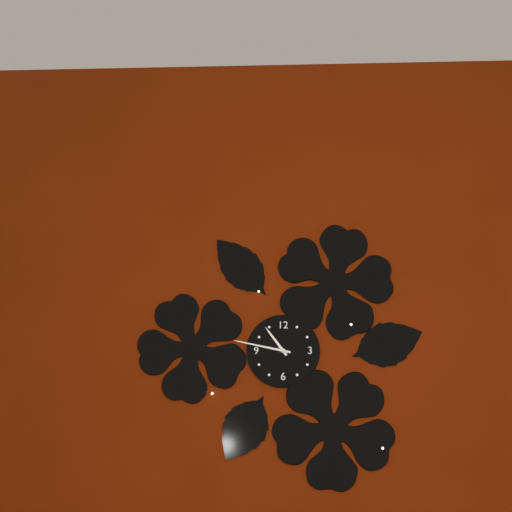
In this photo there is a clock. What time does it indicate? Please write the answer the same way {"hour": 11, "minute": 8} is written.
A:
{"hour": 10, "minute": 47}
